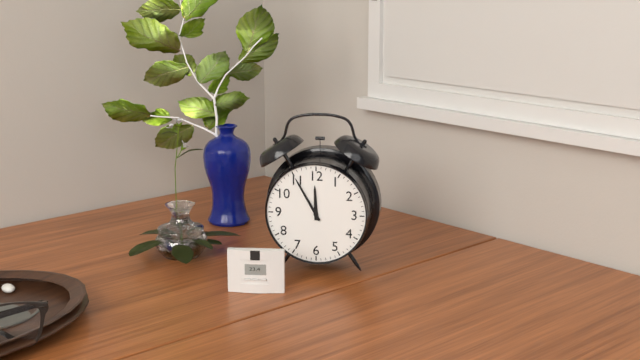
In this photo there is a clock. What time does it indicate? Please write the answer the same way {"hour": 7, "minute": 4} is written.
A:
{"hour": 11, "minute": 55}
